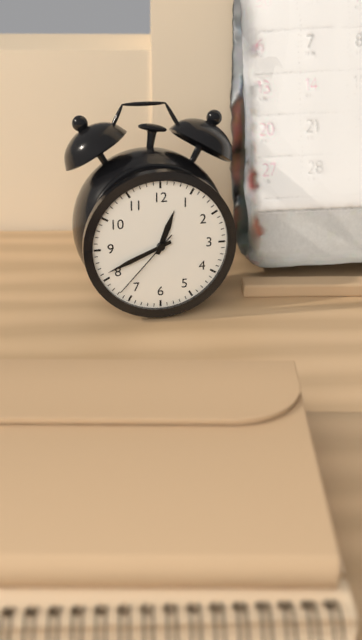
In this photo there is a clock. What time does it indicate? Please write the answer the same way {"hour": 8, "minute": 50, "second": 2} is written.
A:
{"hour": 12, "minute": 41, "second": 37}
